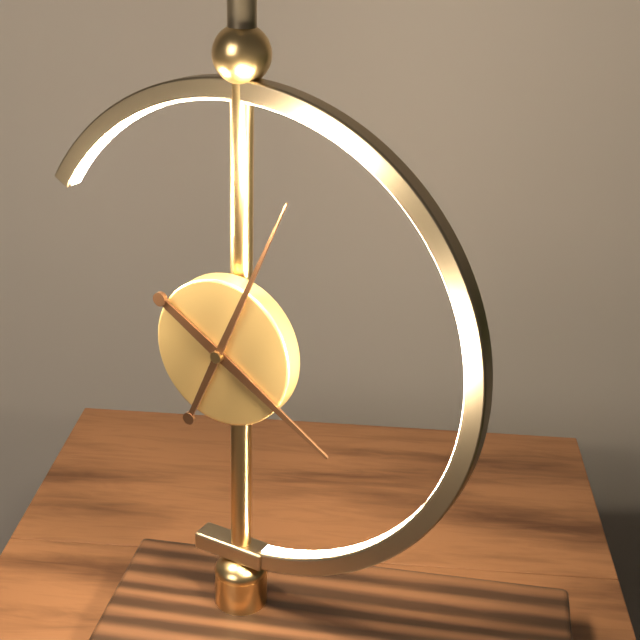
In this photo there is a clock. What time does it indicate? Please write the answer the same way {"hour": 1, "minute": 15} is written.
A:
{"hour": 4, "minute": 4}
